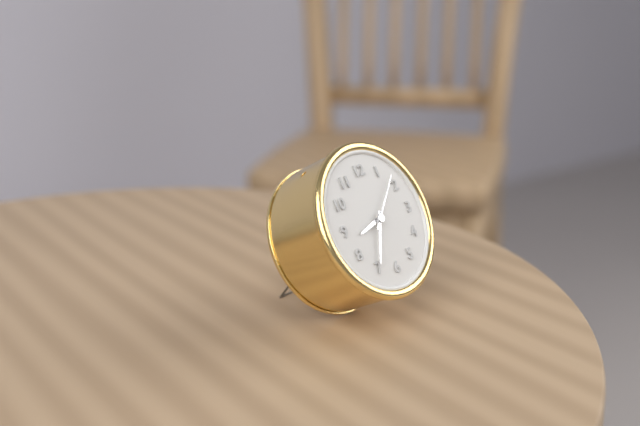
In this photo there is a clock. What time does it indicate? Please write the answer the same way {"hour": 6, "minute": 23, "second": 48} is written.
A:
{"hour": 8, "minute": 35, "second": 8}
